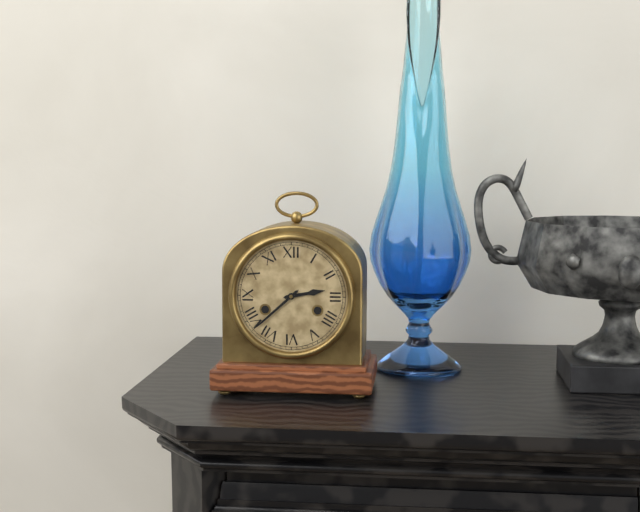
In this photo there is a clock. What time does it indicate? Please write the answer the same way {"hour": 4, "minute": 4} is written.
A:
{"hour": 2, "minute": 38}
